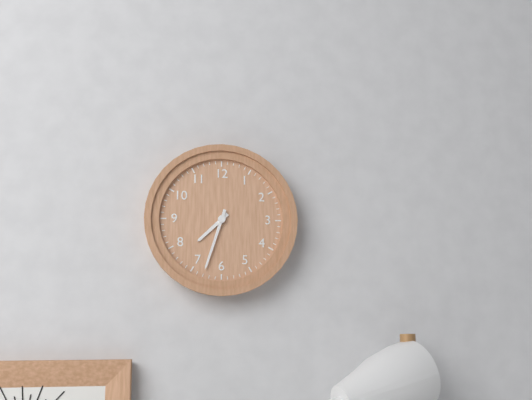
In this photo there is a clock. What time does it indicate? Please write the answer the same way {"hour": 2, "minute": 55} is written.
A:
{"hour": 7, "minute": 33}
